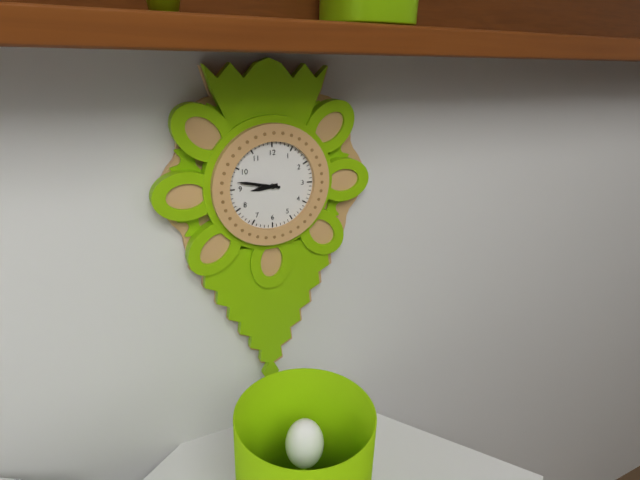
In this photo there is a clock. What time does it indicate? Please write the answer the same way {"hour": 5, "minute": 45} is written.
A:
{"hour": 8, "minute": 47}
